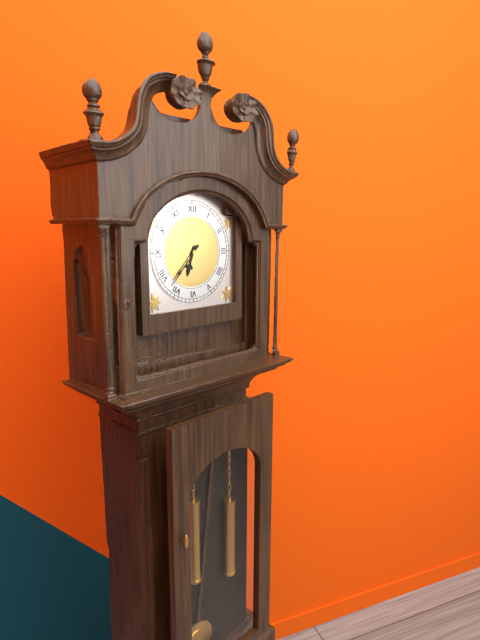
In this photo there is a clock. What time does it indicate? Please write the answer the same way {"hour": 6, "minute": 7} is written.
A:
{"hour": 6, "minute": 37}
